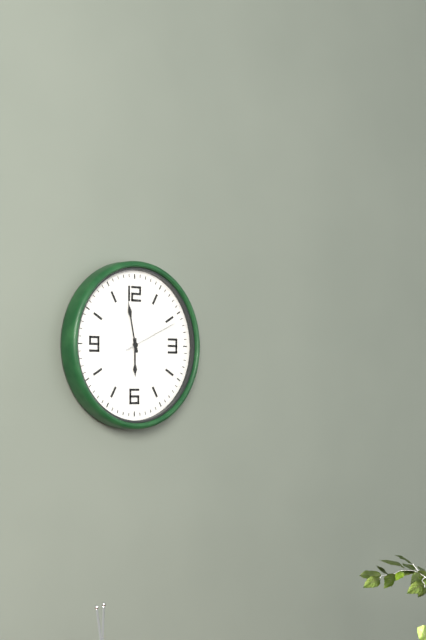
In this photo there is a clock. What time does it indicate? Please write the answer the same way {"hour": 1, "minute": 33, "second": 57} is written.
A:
{"hour": 5, "minute": 58, "second": 11}
